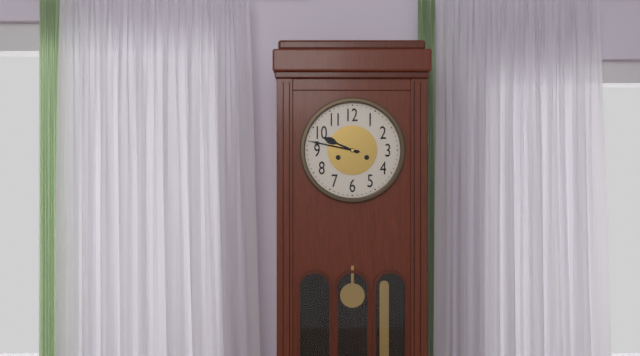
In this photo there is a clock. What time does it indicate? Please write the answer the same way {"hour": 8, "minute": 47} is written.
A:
{"hour": 9, "minute": 47}
